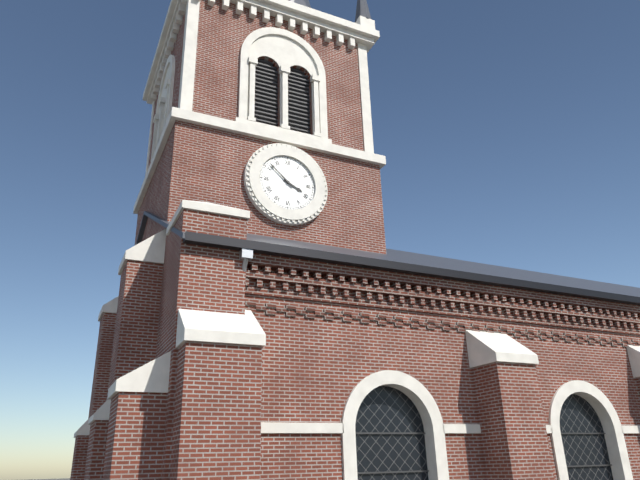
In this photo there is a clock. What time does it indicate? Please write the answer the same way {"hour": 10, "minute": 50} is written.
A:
{"hour": 3, "minute": 52}
